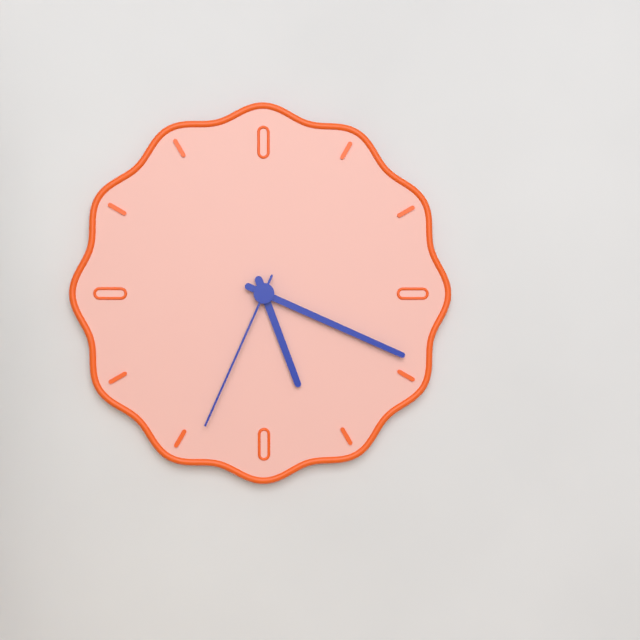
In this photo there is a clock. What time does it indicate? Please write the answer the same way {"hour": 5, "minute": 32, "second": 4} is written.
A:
{"hour": 5, "minute": 19, "second": 34}
